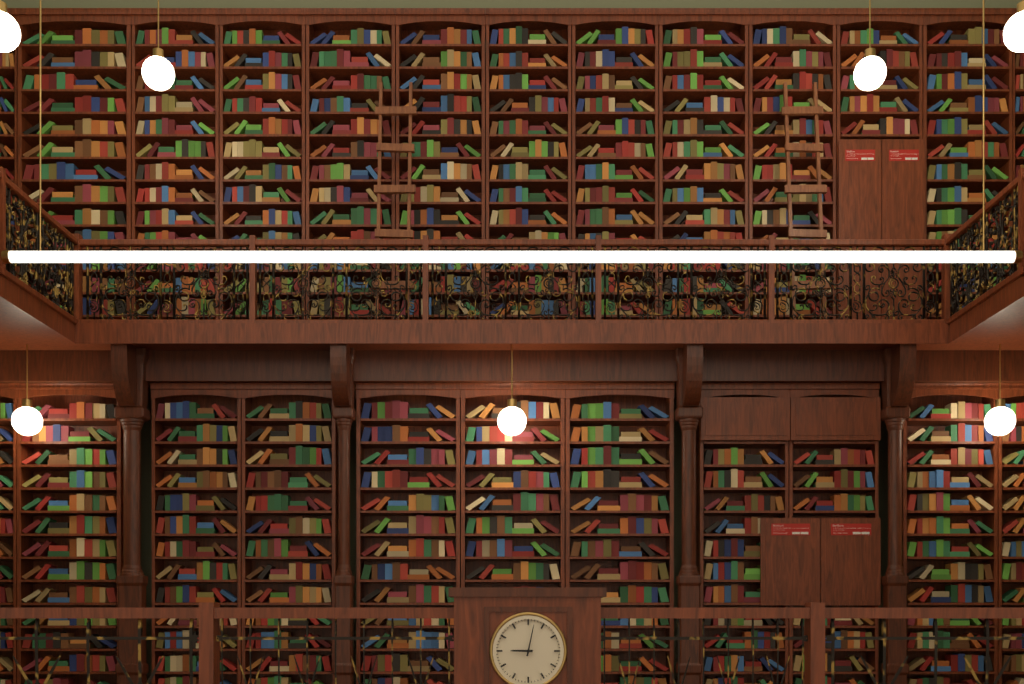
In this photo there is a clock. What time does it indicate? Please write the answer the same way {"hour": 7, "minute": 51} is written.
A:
{"hour": 9, "minute": 2}
